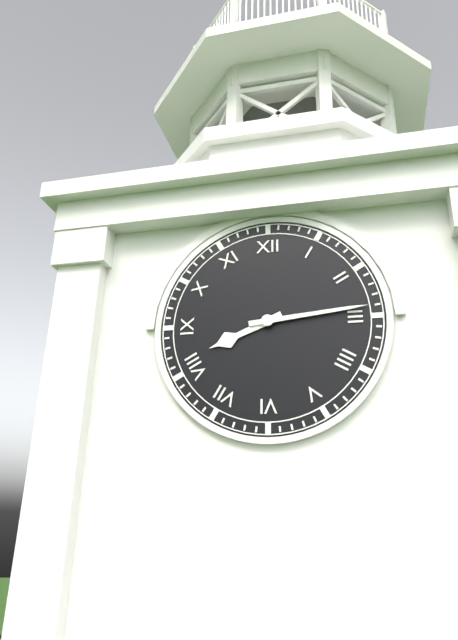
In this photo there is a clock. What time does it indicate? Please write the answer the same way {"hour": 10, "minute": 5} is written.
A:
{"hour": 8, "minute": 14}
